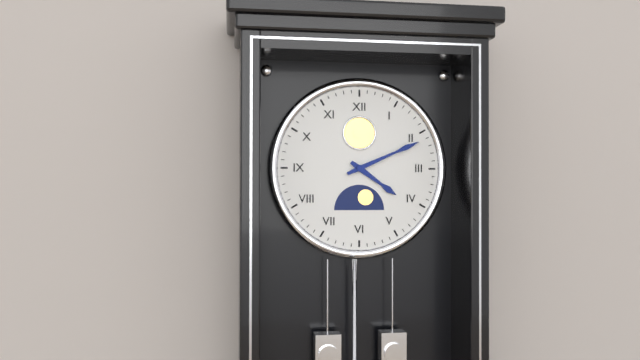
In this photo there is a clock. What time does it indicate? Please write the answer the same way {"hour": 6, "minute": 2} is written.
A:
{"hour": 4, "minute": 11}
